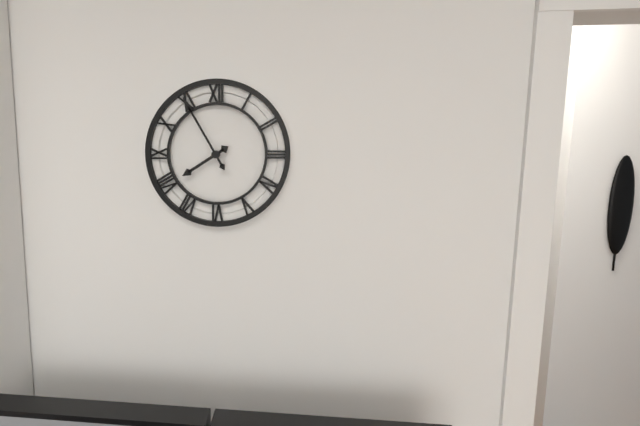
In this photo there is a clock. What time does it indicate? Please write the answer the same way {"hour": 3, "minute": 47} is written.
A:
{"hour": 7, "minute": 55}
